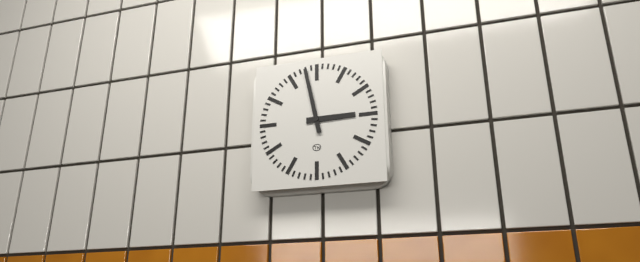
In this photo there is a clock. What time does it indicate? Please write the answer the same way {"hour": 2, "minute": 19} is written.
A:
{"hour": 2, "minute": 58}
